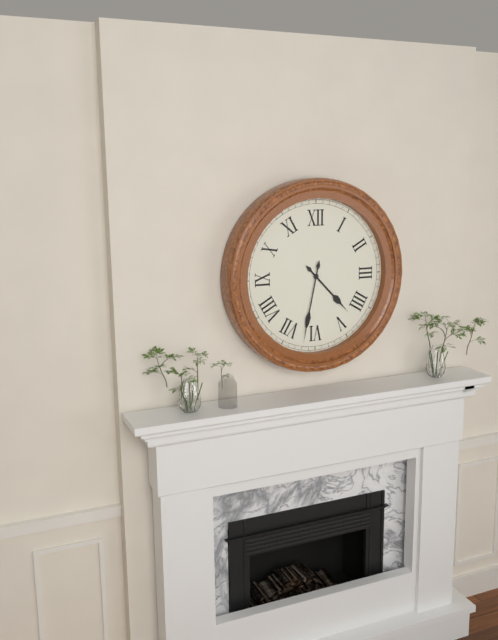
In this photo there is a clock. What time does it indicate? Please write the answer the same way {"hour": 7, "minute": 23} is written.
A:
{"hour": 4, "minute": 32}
